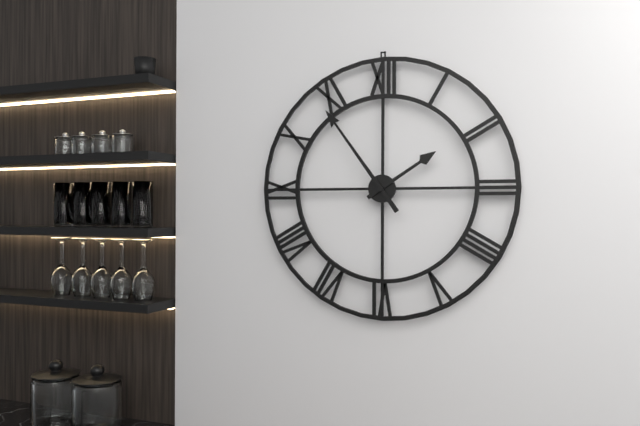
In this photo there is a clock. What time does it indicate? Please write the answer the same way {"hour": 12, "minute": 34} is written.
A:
{"hour": 1, "minute": 54}
